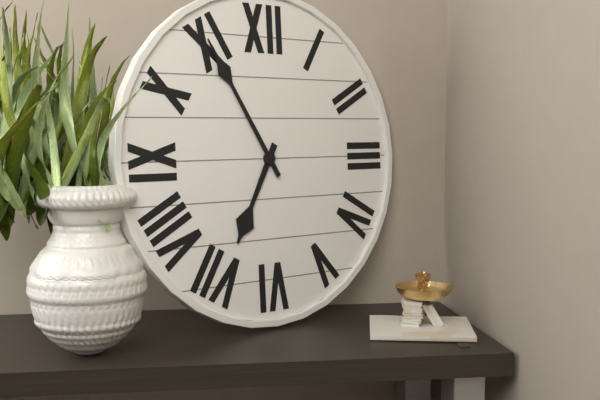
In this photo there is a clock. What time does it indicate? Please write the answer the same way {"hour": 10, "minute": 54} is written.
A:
{"hour": 6, "minute": 55}
